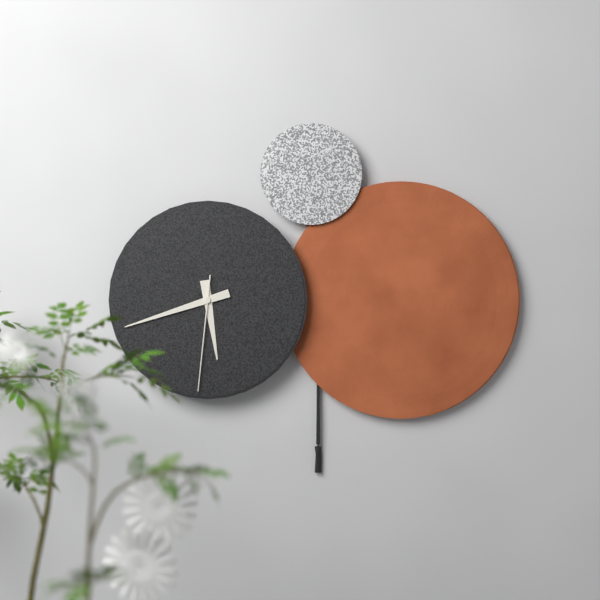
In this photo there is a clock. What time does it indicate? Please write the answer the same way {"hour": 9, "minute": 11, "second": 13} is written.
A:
{"hour": 5, "minute": 42, "second": 31}
